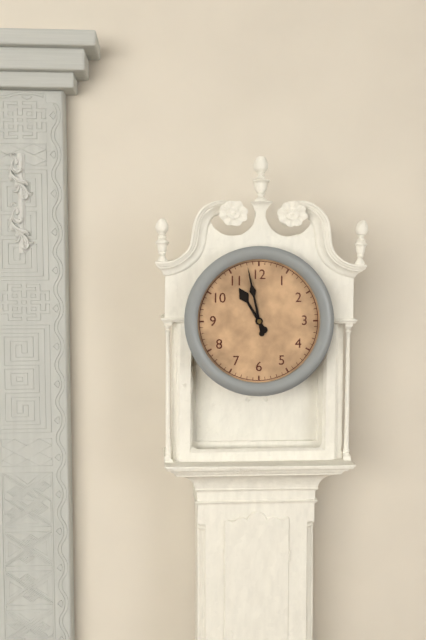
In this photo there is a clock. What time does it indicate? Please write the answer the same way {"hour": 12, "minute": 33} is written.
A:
{"hour": 10, "minute": 58}
